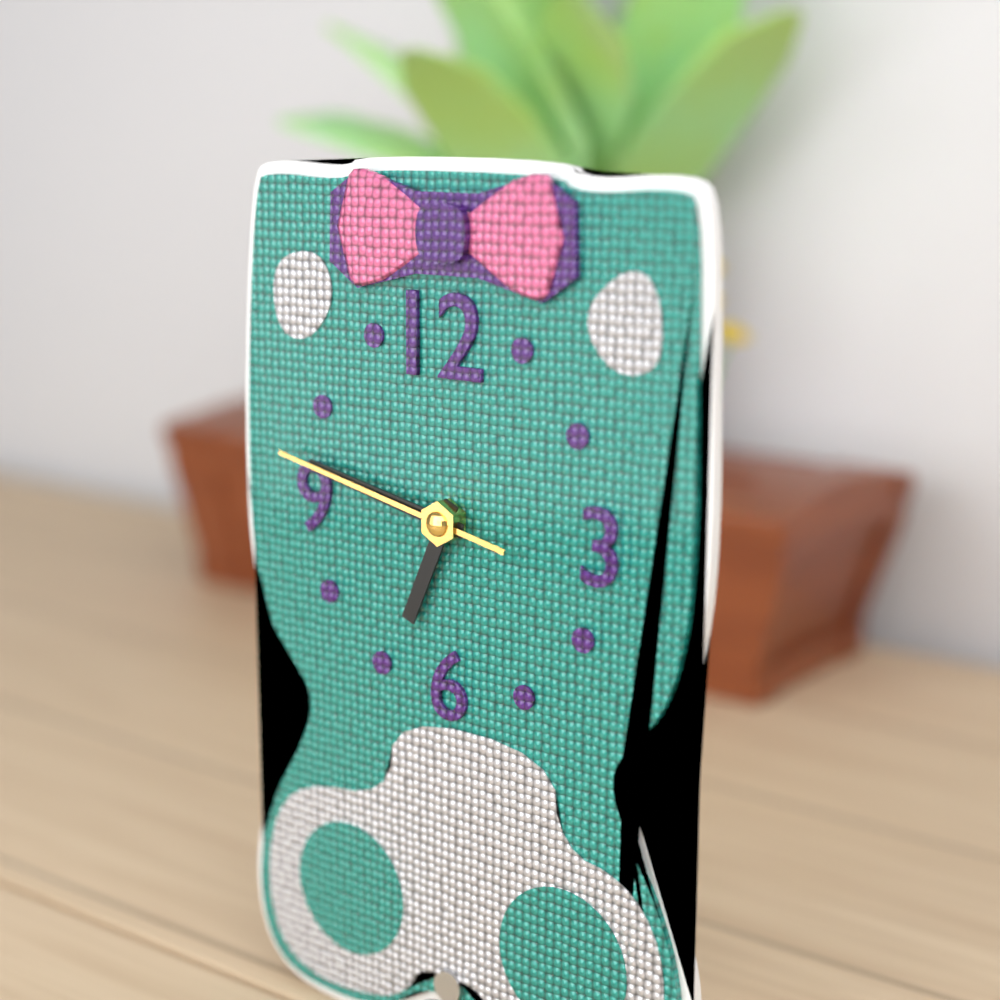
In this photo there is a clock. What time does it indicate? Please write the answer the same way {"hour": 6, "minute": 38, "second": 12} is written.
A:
{"hour": 6, "minute": 47, "second": 47}
